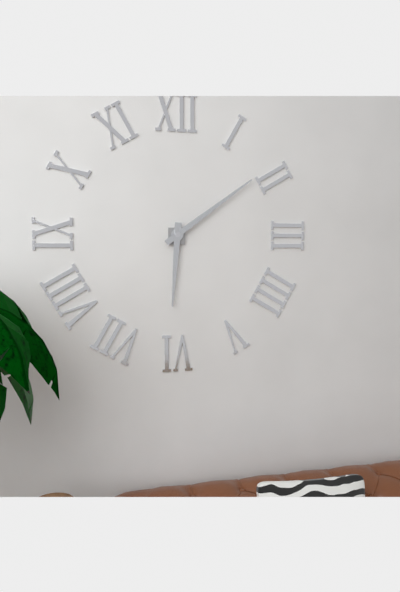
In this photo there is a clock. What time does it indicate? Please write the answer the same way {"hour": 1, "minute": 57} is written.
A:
{"hour": 6, "minute": 9}
